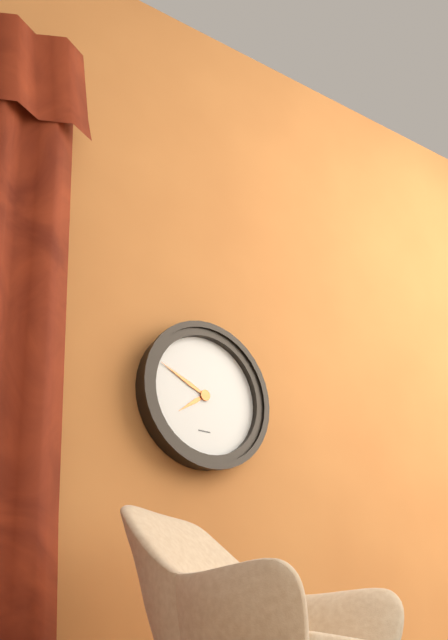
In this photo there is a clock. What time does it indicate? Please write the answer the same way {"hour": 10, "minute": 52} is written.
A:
{"hour": 7, "minute": 49}
